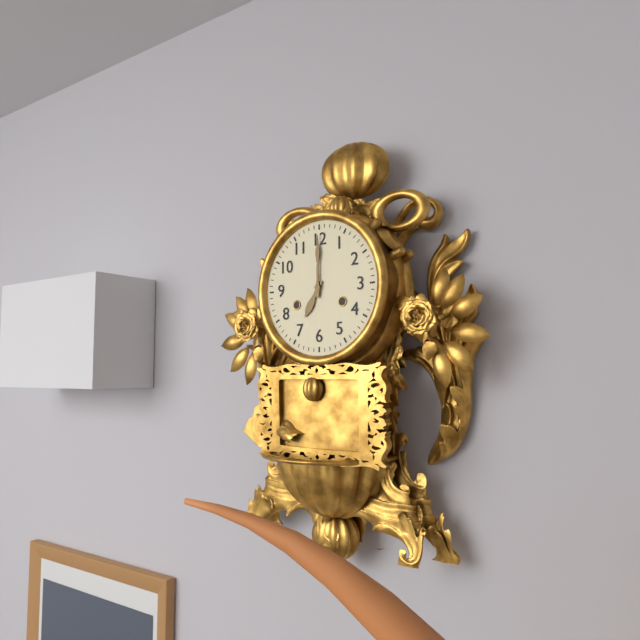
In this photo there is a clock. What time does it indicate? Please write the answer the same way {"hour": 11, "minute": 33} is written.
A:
{"hour": 7, "minute": 0}
